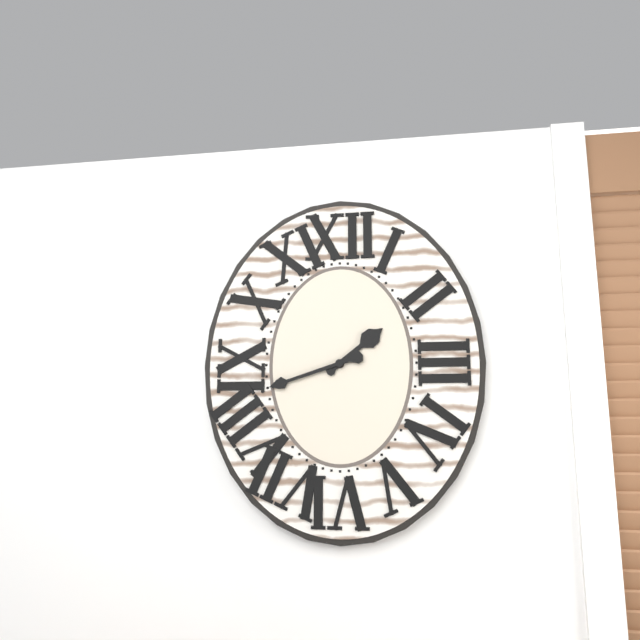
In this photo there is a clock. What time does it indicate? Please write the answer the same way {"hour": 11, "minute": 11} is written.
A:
{"hour": 1, "minute": 42}
